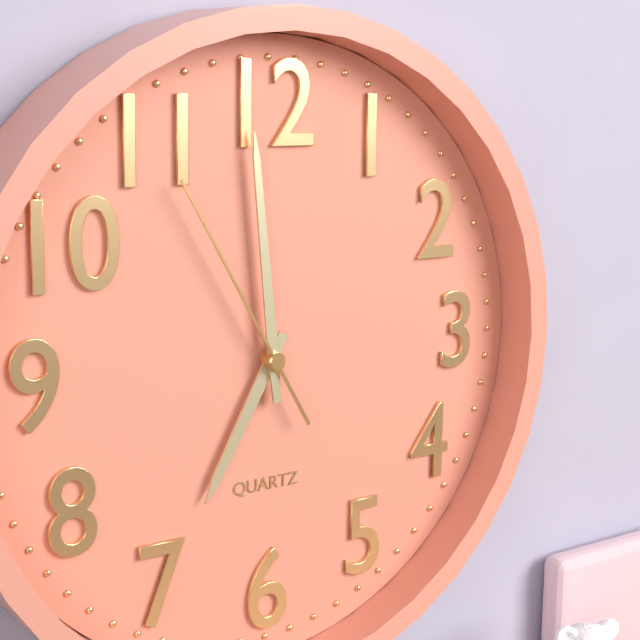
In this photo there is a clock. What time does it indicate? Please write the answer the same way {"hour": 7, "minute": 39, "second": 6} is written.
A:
{"hour": 6, "minute": 59, "second": 55}
